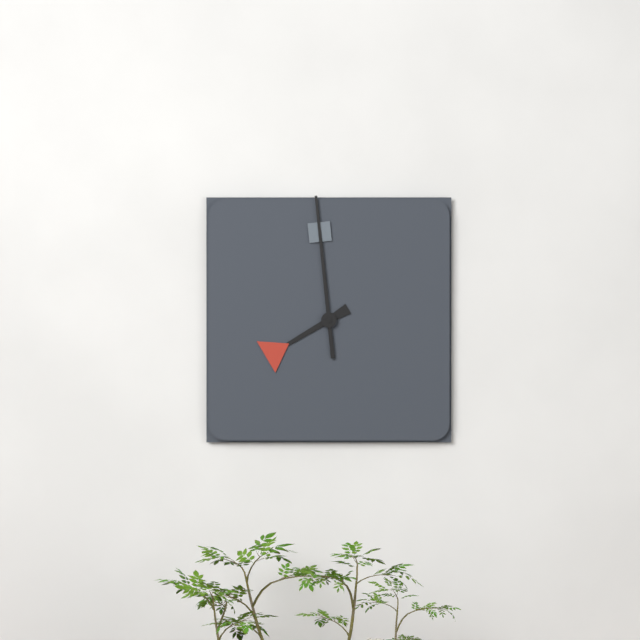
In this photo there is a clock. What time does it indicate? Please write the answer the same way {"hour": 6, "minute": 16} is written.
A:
{"hour": 7, "minute": 59}
